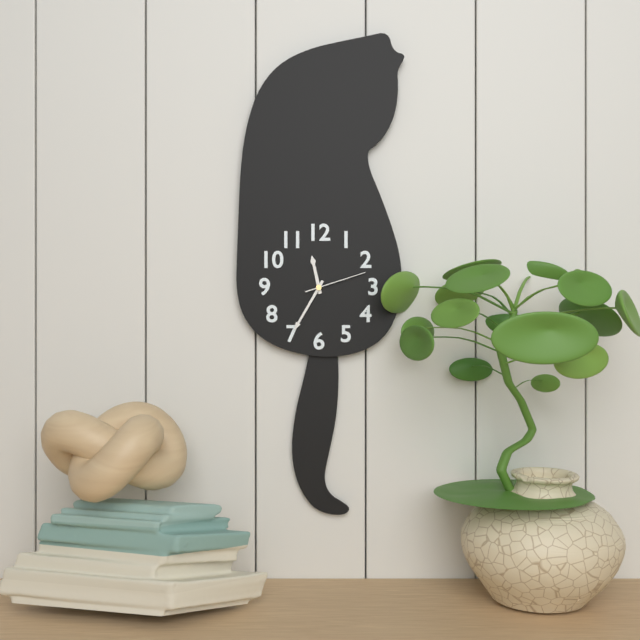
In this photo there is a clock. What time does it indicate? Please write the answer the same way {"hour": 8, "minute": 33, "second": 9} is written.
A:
{"hour": 11, "minute": 35, "second": 12}
